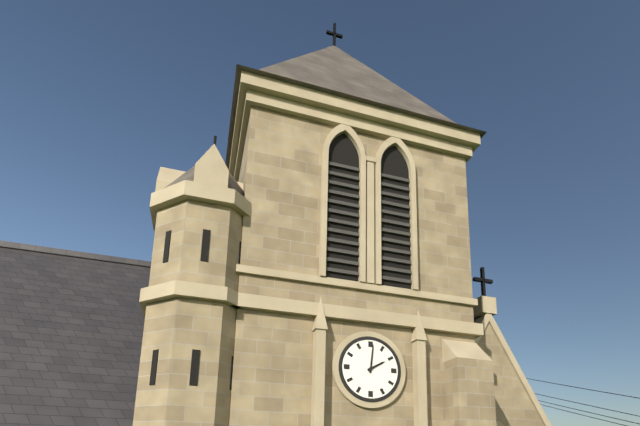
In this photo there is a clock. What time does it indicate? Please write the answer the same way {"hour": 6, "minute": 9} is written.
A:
{"hour": 2, "minute": 1}
